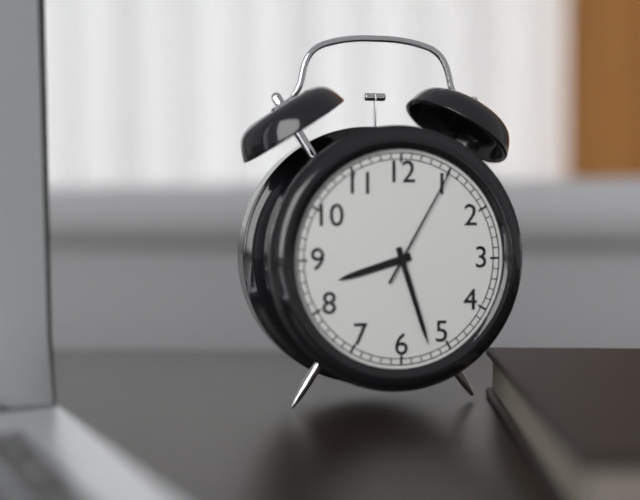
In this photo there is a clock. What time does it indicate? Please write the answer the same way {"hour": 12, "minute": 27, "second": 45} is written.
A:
{"hour": 8, "minute": 27, "second": 5}
